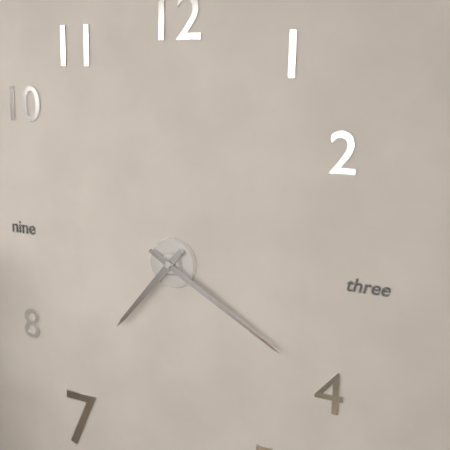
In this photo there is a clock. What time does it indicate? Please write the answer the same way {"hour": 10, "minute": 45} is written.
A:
{"hour": 7, "minute": 20}
